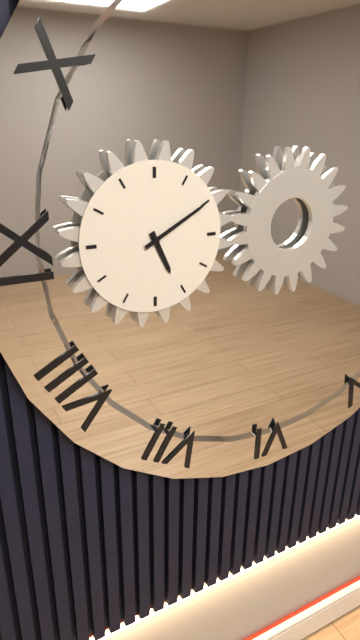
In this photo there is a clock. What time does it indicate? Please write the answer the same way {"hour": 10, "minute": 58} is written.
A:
{"hour": 5, "minute": 10}
